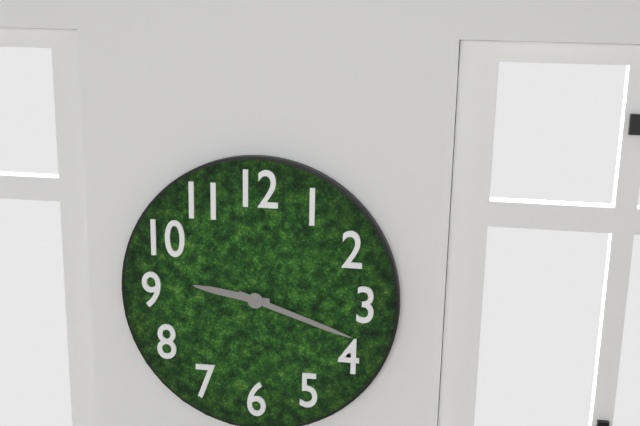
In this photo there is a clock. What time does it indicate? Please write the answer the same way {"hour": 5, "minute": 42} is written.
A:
{"hour": 9, "minute": 18}
